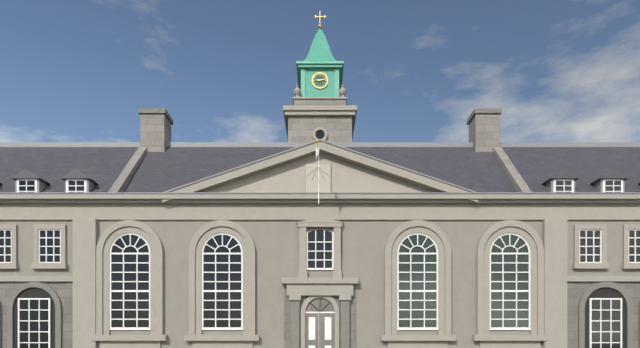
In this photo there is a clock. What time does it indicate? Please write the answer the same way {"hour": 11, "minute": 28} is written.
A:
{"hour": 9, "minute": 13}
